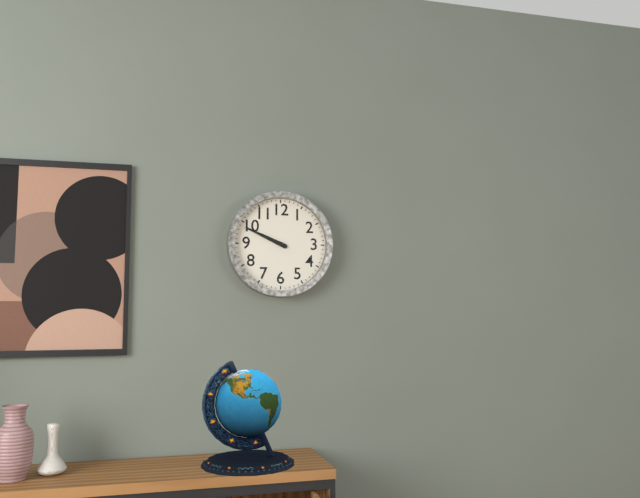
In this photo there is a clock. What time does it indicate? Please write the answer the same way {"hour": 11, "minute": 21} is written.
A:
{"hour": 9, "minute": 49}
